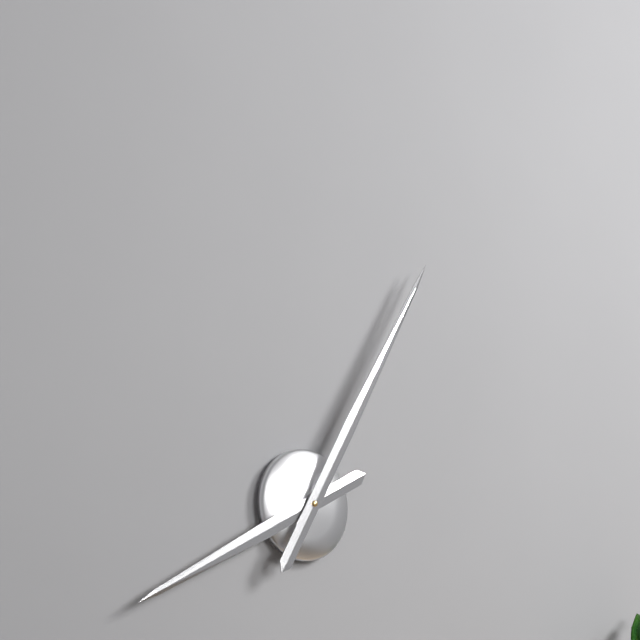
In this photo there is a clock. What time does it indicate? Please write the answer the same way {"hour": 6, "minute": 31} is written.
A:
{"hour": 8, "minute": 5}
